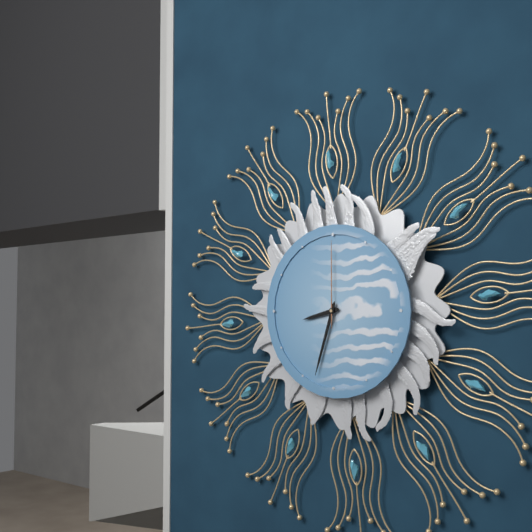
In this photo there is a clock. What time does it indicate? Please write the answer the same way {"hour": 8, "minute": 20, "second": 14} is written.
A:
{"hour": 8, "minute": 33, "second": 0}
